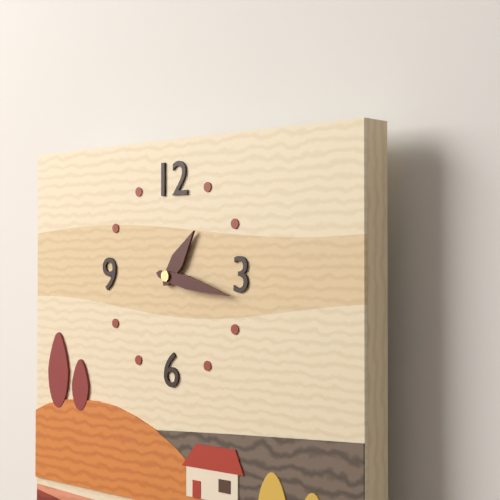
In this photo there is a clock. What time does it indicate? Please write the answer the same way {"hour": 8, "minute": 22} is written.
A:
{"hour": 1, "minute": 17}
